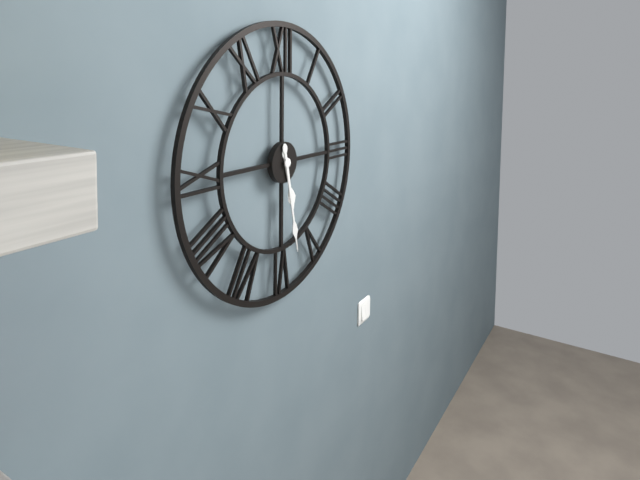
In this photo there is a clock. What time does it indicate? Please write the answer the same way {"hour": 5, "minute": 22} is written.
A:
{"hour": 5, "minute": 28}
